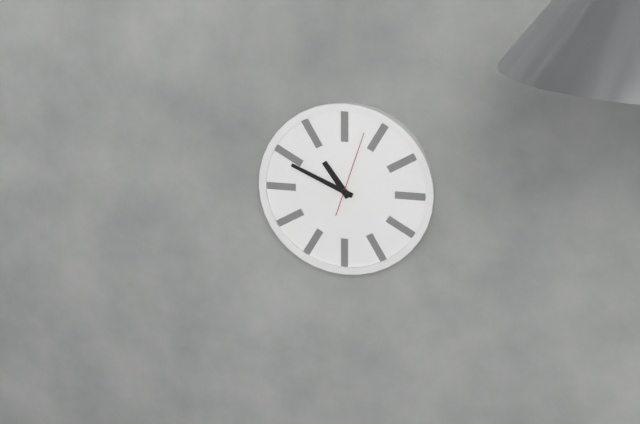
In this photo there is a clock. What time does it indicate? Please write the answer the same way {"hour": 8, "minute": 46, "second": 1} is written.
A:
{"hour": 10, "minute": 49, "second": 3}
